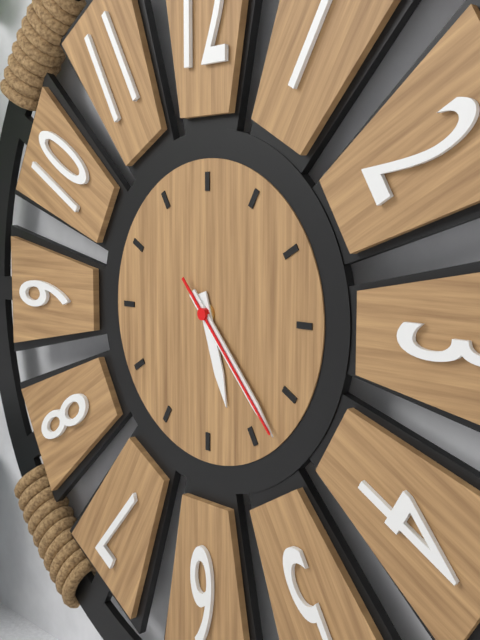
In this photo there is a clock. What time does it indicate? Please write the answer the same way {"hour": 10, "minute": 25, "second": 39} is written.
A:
{"hour": 5, "minute": 23, "second": 23}
